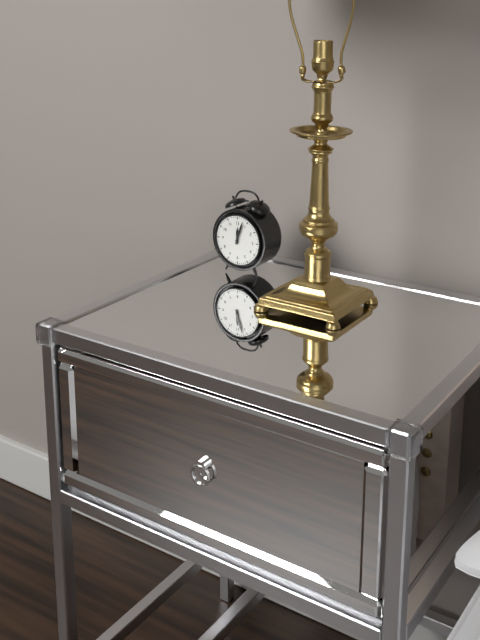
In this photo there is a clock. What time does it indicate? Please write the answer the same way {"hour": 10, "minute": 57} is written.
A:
{"hour": 12, "minute": 3}
